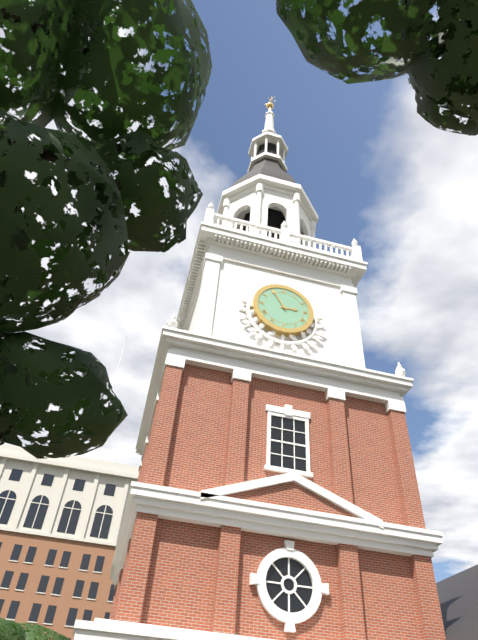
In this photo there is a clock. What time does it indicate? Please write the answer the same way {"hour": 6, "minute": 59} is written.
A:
{"hour": 2, "minute": 55}
